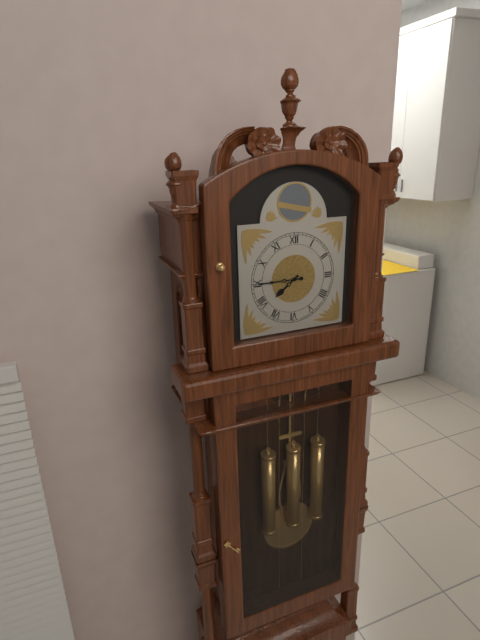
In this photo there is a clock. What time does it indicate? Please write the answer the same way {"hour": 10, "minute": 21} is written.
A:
{"hour": 7, "minute": 45}
